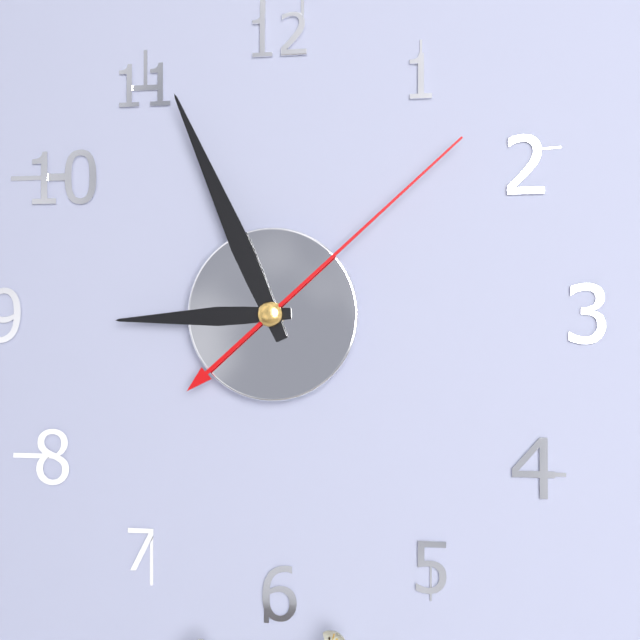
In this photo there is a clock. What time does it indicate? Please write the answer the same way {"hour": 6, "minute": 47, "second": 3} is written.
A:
{"hour": 8, "minute": 56, "second": 8}
